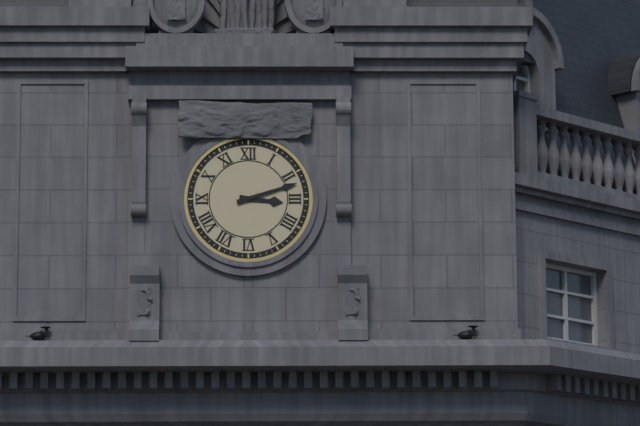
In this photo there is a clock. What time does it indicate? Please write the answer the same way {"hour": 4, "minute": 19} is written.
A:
{"hour": 3, "minute": 12}
